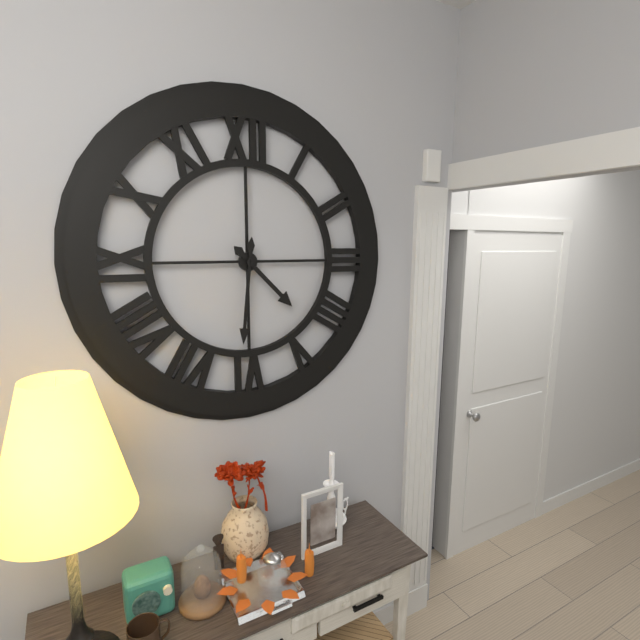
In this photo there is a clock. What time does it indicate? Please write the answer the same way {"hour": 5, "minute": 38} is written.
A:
{"hour": 4, "minute": 31}
